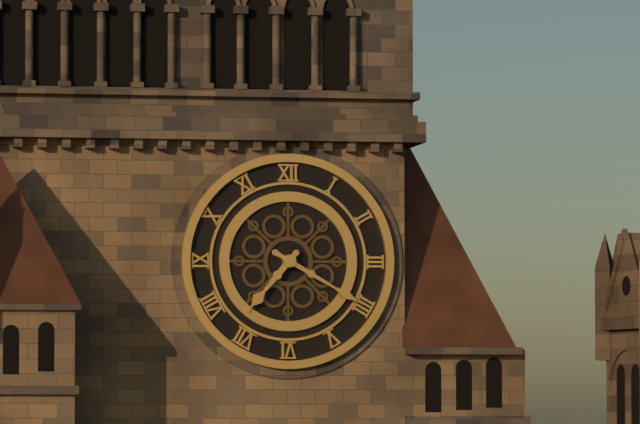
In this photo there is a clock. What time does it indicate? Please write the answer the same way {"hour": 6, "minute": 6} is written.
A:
{"hour": 7, "minute": 20}
